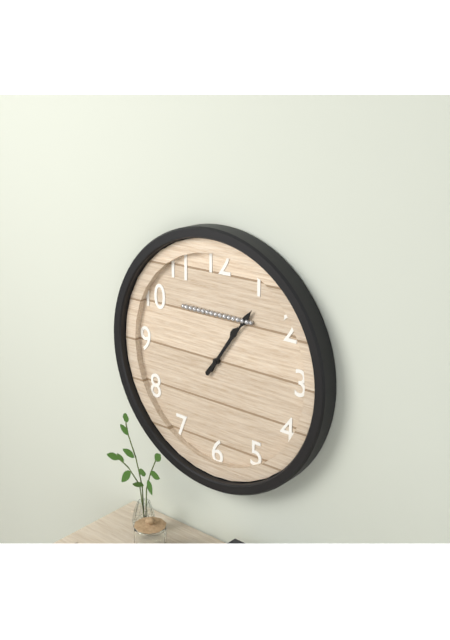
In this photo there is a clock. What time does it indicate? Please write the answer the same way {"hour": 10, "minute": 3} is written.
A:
{"hour": 1, "minute": 6}
